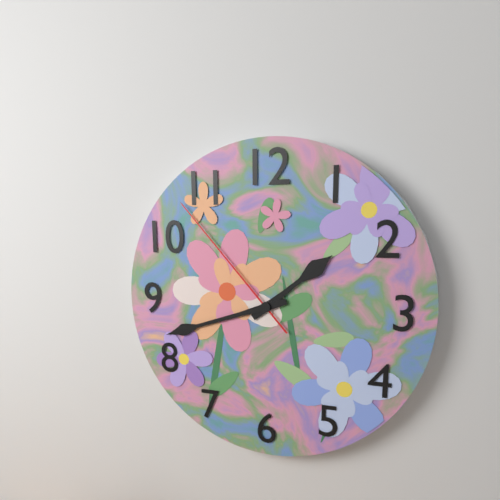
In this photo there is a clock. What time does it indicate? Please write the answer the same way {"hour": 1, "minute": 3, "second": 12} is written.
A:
{"hour": 1, "minute": 42, "second": 53}
